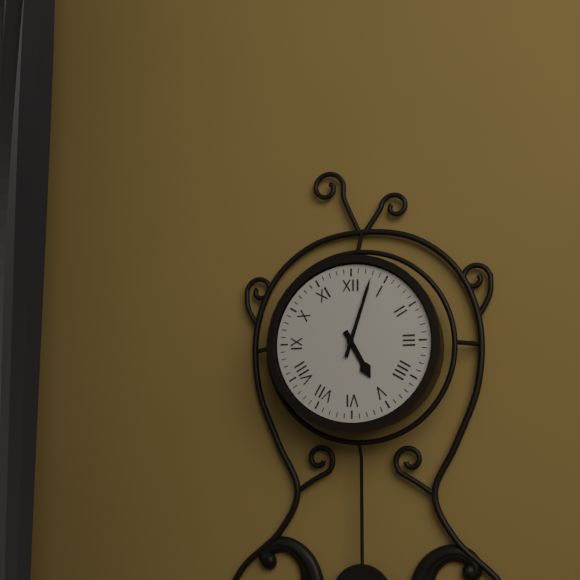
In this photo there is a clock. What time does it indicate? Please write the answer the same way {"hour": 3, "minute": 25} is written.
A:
{"hour": 5, "minute": 3}
